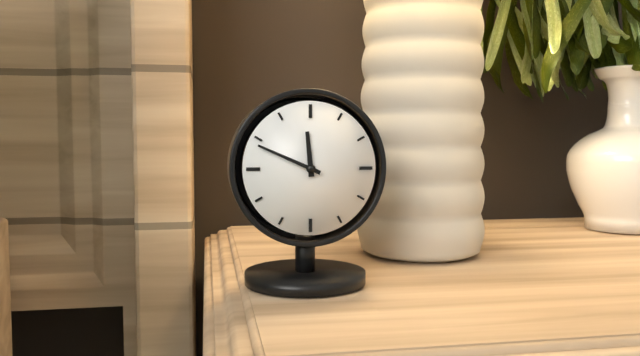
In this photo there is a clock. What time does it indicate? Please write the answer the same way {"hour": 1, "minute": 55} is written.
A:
{"hour": 11, "minute": 49}
